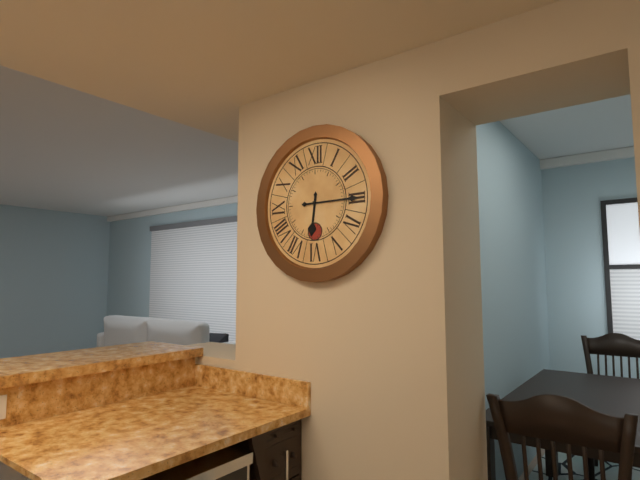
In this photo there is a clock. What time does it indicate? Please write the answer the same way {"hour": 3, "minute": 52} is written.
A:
{"hour": 6, "minute": 15}
